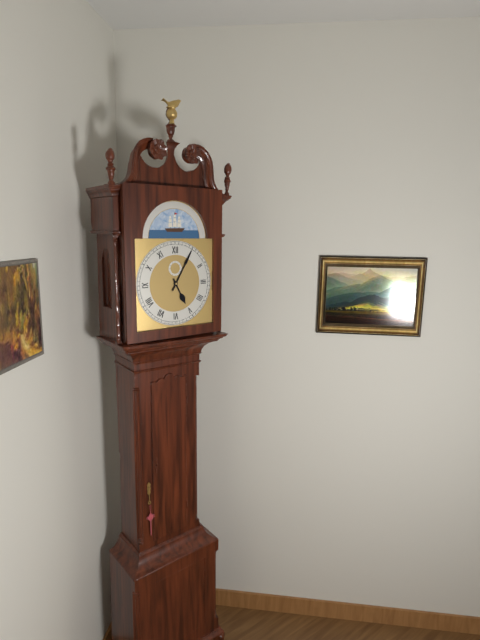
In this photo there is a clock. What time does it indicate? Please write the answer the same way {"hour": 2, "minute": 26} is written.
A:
{"hour": 5, "minute": 5}
